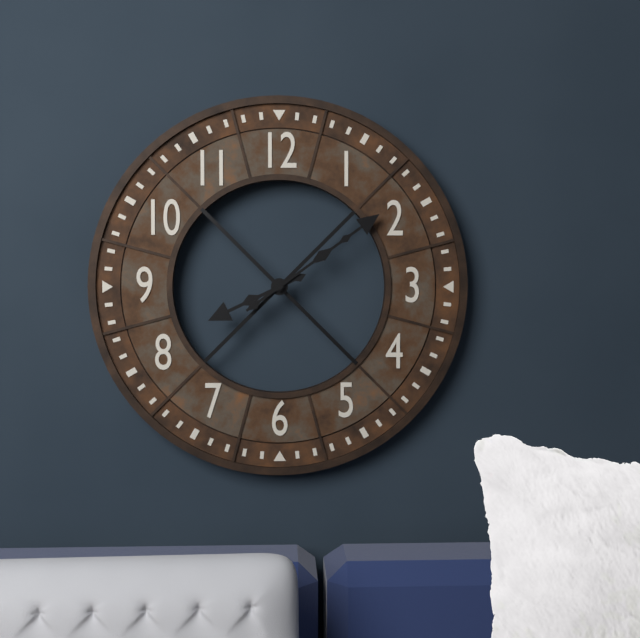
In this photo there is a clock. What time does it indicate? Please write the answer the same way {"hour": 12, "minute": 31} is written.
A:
{"hour": 8, "minute": 9}
